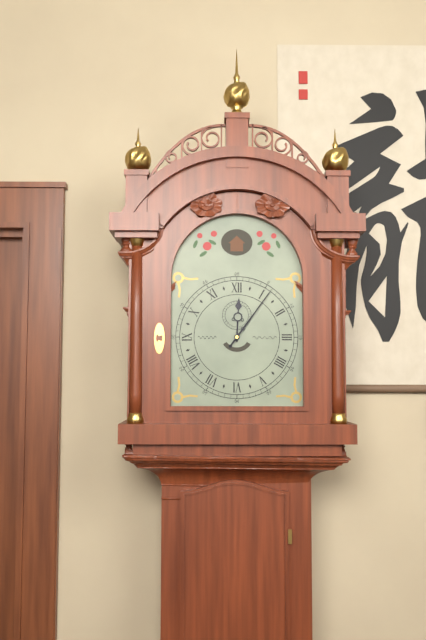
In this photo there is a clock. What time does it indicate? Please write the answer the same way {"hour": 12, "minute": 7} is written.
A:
{"hour": 12, "minute": 6}
